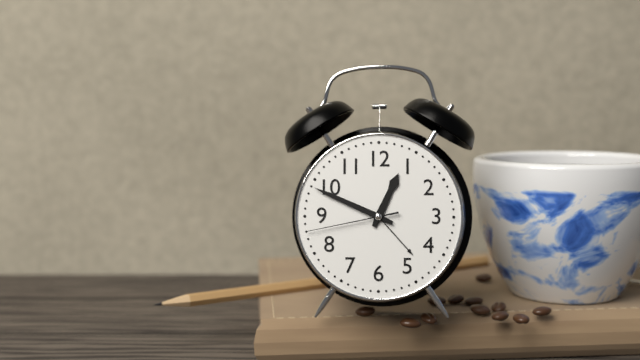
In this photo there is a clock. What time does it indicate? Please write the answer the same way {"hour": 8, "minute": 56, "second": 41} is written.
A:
{"hour": 12, "minute": 49, "second": 43}
